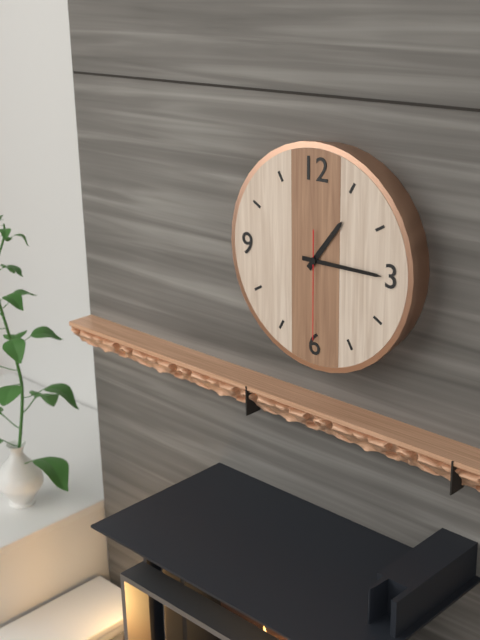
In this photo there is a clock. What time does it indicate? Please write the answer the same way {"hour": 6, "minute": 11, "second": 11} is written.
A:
{"hour": 1, "minute": 15, "second": 30}
